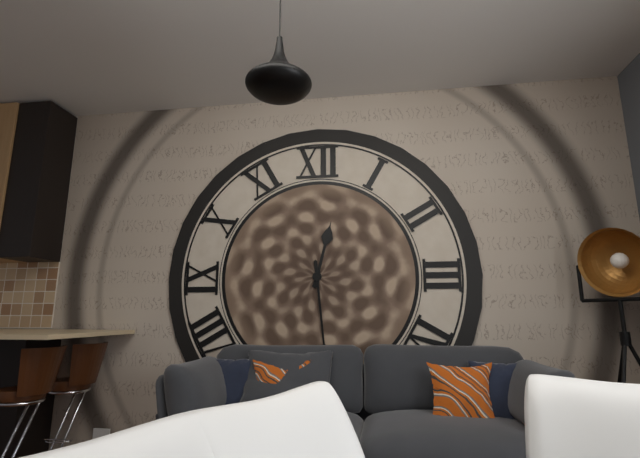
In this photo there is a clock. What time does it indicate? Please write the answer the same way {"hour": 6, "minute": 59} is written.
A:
{"hour": 12, "minute": 29}
